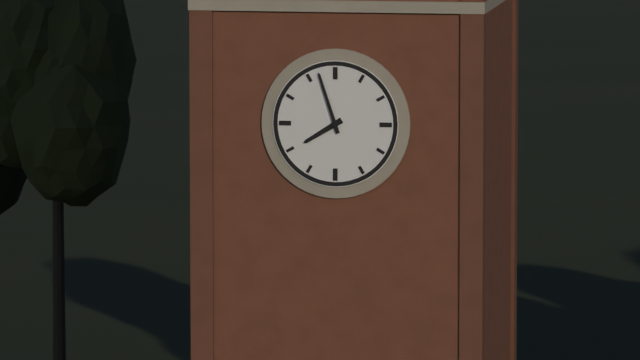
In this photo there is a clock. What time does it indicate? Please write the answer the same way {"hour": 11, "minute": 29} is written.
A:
{"hour": 7, "minute": 57}
